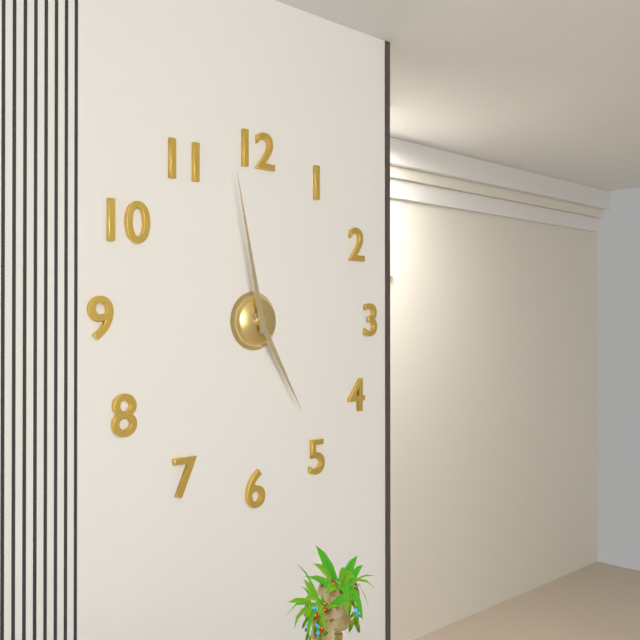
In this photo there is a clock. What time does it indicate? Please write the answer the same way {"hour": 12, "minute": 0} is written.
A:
{"hour": 4, "minute": 58}
